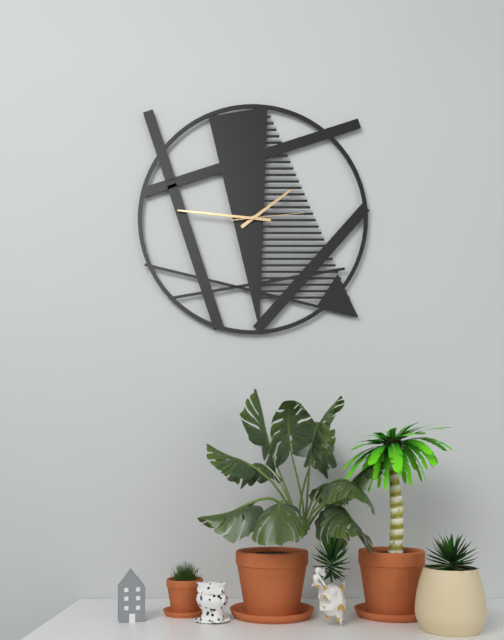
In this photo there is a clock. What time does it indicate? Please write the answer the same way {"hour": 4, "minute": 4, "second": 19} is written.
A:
{"hour": 1, "minute": 46, "second": 14}
